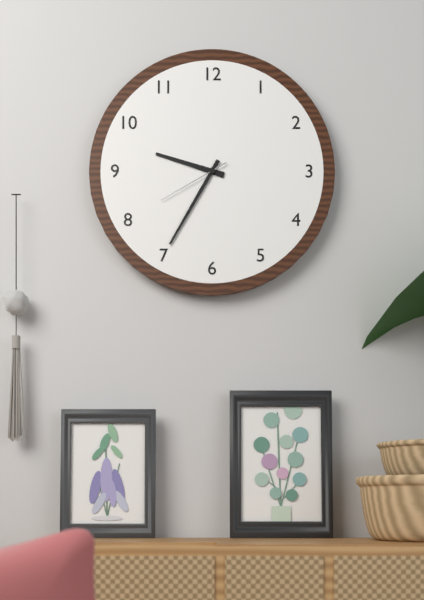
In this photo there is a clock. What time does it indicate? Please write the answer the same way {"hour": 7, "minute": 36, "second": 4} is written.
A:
{"hour": 9, "minute": 35, "second": 40}
